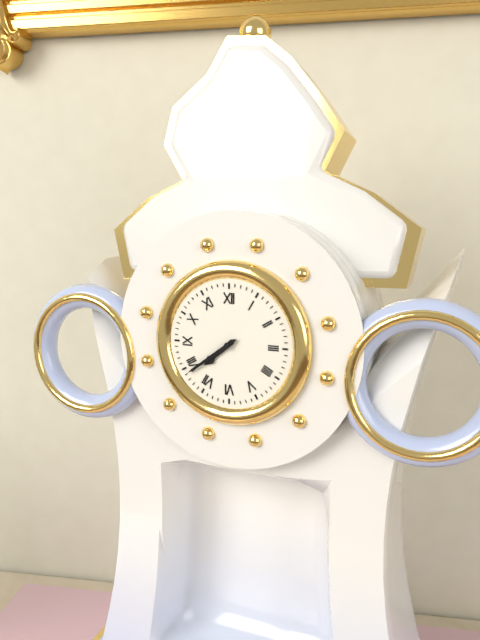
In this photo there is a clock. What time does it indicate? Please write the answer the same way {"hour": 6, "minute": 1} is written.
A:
{"hour": 7, "minute": 39}
